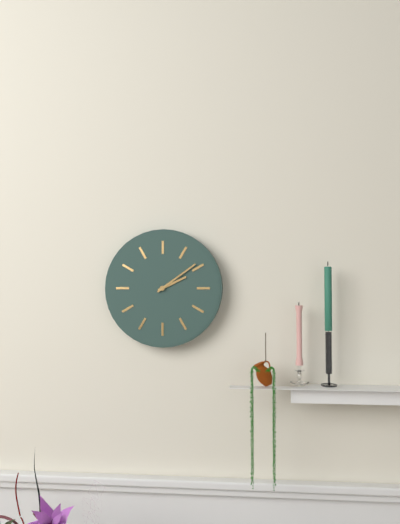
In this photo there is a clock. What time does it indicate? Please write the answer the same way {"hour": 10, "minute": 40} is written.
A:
{"hour": 2, "minute": 9}
